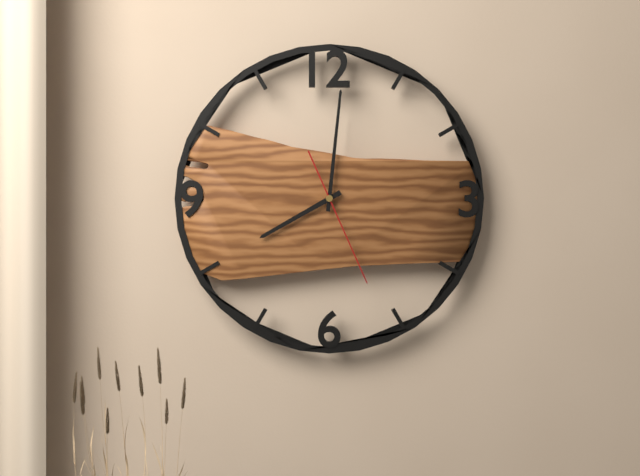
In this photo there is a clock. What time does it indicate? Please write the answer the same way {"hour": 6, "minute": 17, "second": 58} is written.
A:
{"hour": 8, "minute": 1, "second": 26}
